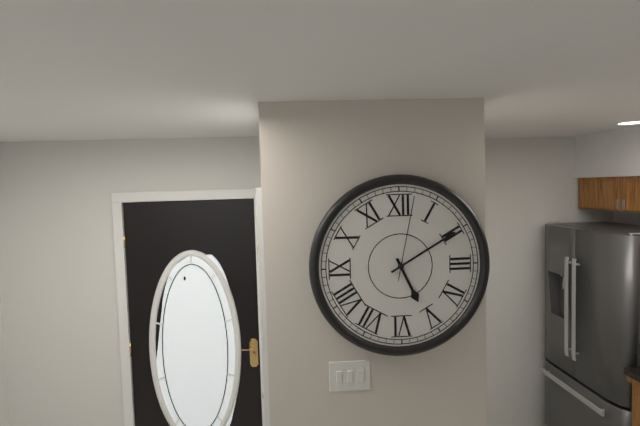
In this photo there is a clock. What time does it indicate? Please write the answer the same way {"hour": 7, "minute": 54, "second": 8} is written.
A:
{"hour": 5, "minute": 10, "second": 2}
